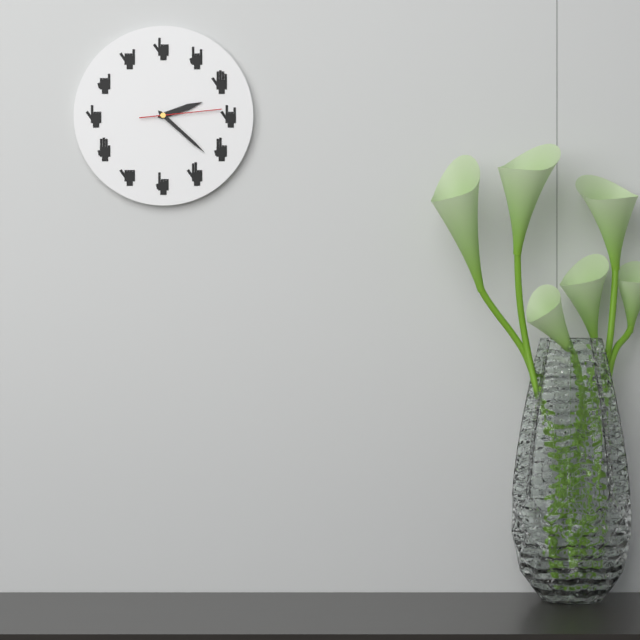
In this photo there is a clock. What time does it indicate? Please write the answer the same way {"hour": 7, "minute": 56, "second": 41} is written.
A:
{"hour": 2, "minute": 22, "second": 14}
